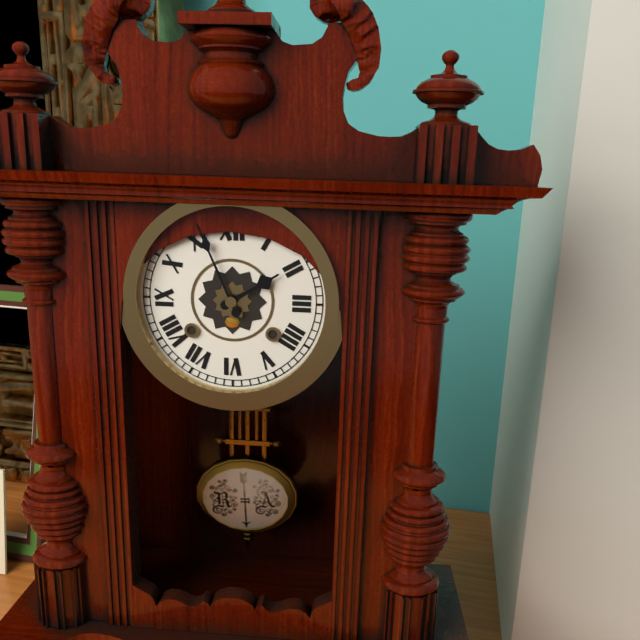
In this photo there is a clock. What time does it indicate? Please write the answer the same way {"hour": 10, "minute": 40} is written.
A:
{"hour": 1, "minute": 56}
